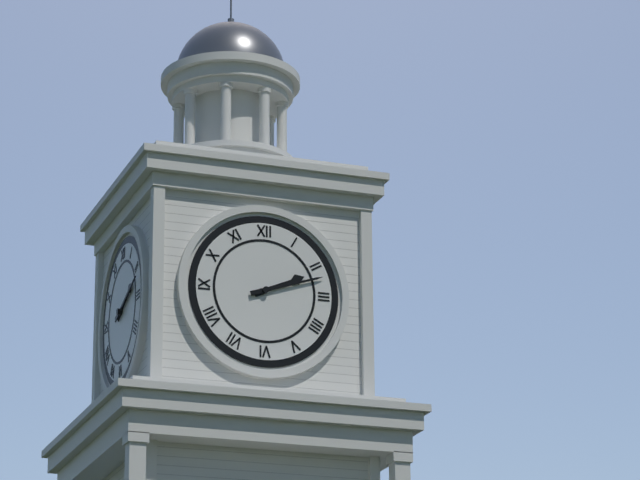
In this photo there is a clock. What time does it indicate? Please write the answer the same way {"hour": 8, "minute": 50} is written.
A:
{"hour": 2, "minute": 12}
